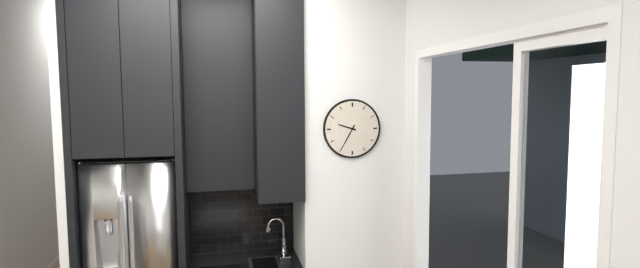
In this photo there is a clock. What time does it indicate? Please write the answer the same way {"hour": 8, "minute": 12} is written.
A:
{"hour": 9, "minute": 35}
